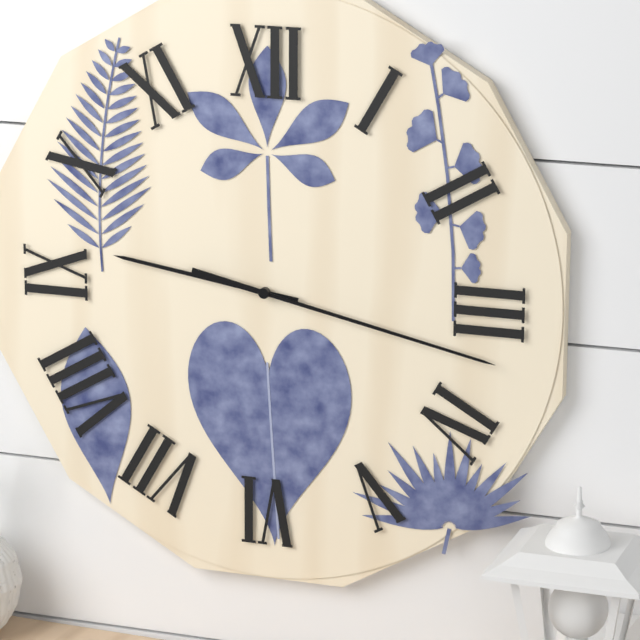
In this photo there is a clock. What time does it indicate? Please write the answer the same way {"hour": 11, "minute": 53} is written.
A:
{"hour": 9, "minute": 17}
